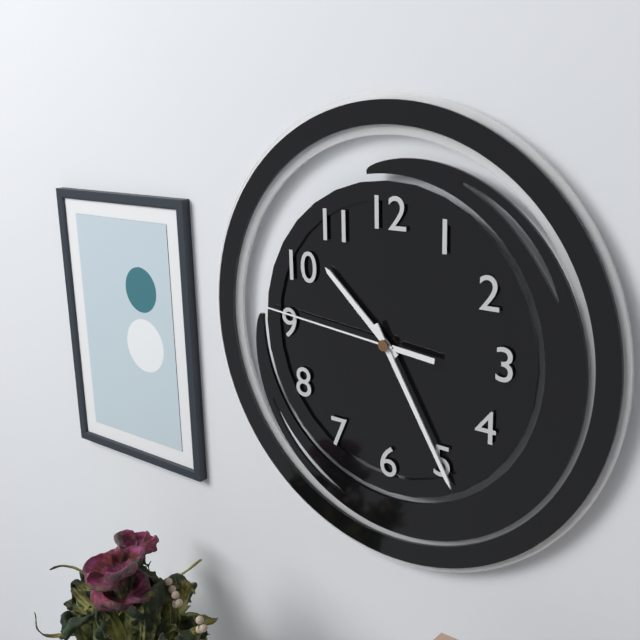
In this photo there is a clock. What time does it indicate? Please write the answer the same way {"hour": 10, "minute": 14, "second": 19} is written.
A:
{"hour": 10, "minute": 25, "second": 46}
